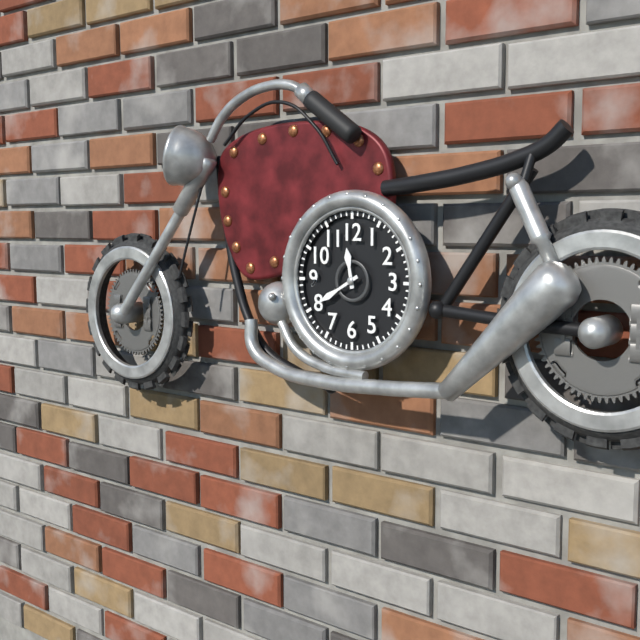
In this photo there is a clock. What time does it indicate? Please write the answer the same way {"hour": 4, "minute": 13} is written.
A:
{"hour": 11, "minute": 40}
